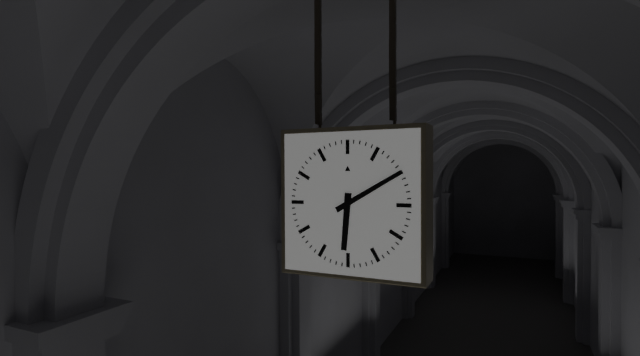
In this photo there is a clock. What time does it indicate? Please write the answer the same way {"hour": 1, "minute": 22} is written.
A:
{"hour": 6, "minute": 10}
